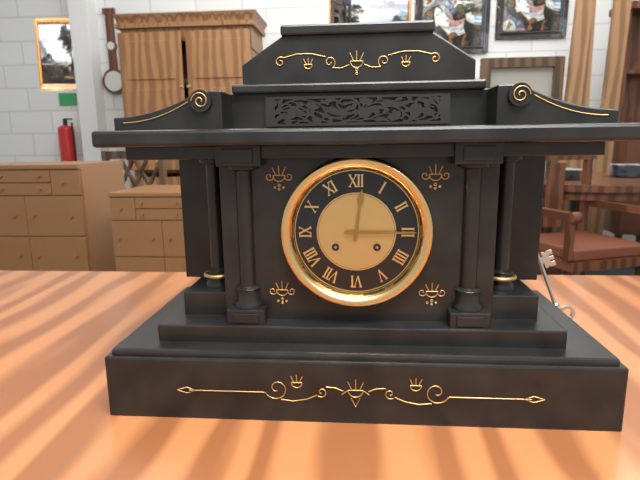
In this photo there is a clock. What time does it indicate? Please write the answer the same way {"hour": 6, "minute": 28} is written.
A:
{"hour": 12, "minute": 15}
